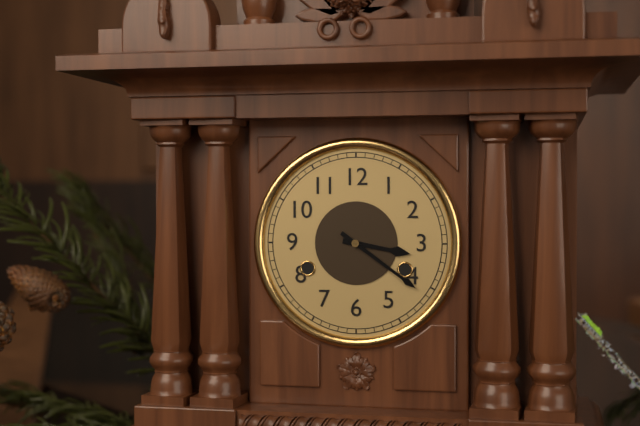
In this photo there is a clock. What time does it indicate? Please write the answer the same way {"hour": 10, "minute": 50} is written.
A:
{"hour": 3, "minute": 21}
